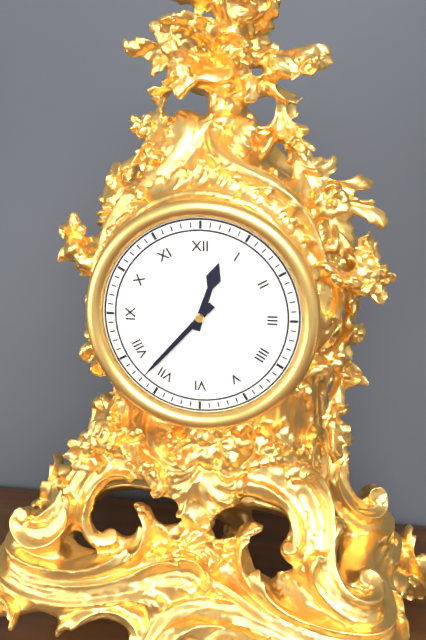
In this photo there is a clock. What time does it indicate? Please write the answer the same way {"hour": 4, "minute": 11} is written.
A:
{"hour": 12, "minute": 37}
